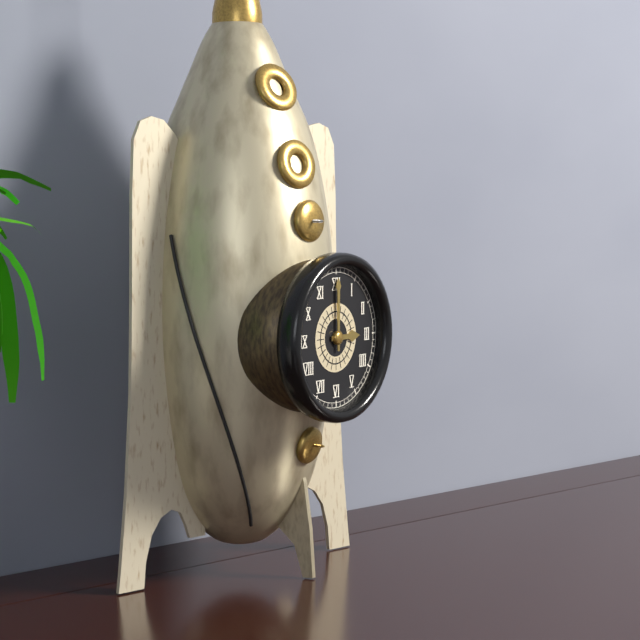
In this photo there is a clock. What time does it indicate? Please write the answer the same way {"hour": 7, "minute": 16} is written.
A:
{"hour": 3, "minute": 0}
